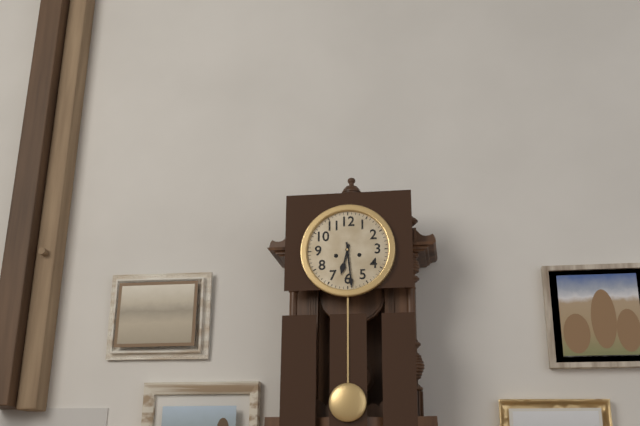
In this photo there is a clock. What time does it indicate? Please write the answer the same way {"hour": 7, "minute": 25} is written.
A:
{"hour": 6, "minute": 29}
